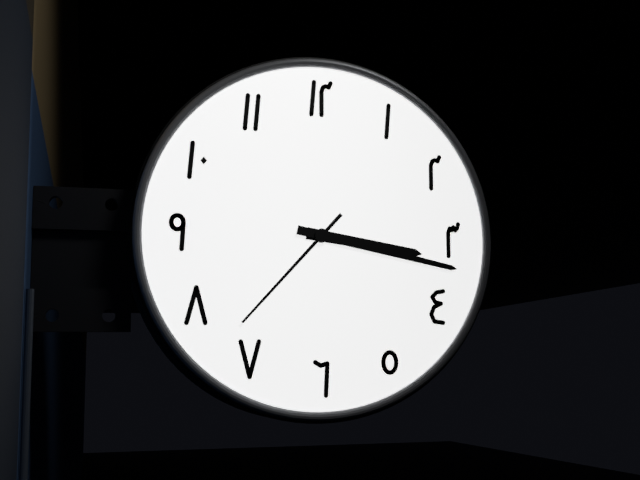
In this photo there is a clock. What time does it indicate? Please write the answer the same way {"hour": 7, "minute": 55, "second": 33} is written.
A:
{"hour": 3, "minute": 17, "second": 37}
